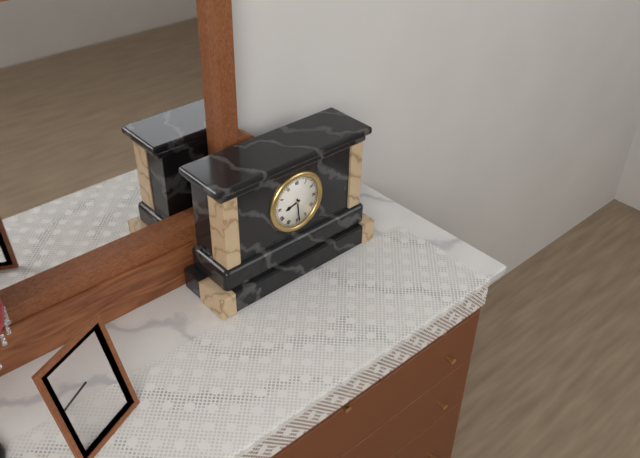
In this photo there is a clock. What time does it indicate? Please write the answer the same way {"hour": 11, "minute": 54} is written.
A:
{"hour": 8, "minute": 29}
